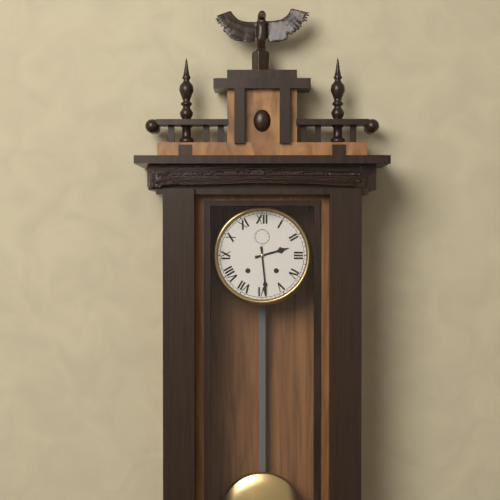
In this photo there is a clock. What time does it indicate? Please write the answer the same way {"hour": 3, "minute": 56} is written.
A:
{"hour": 2, "minute": 29}
